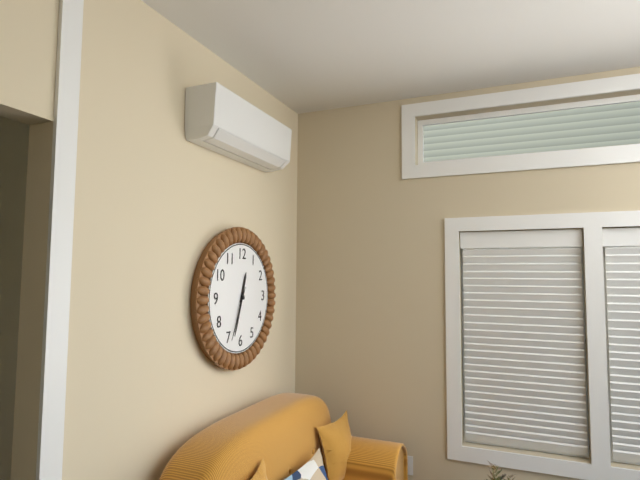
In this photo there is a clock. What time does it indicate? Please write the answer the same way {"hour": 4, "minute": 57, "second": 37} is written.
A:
{"hour": 12, "minute": 33, "second": 34}
